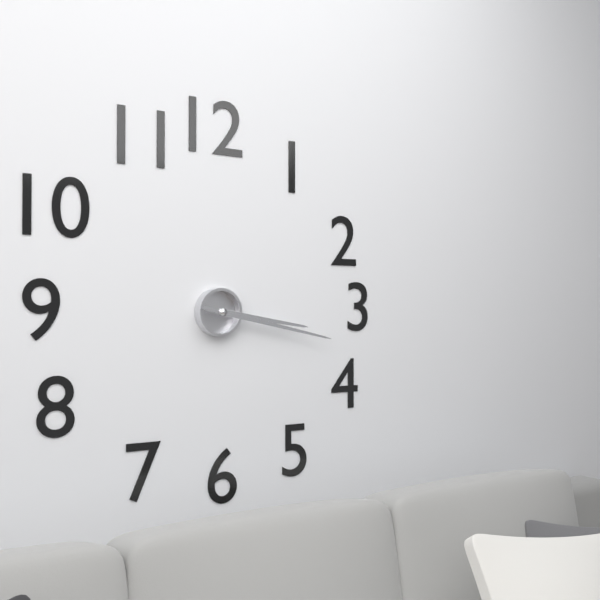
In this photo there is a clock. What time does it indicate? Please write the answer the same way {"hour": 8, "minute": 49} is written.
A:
{"hour": 3, "minute": 17}
